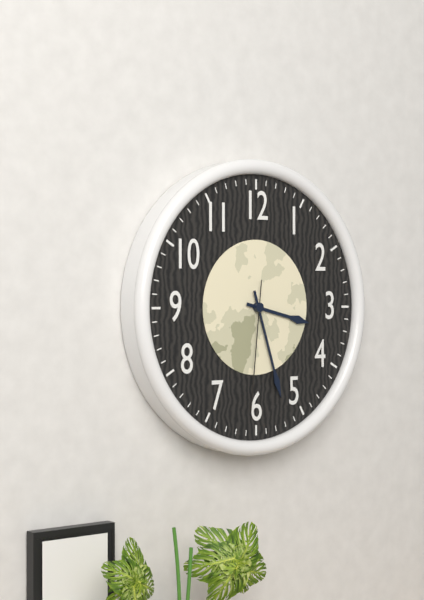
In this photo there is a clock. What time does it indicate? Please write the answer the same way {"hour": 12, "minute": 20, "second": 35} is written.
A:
{"hour": 3, "minute": 27, "second": 31}
